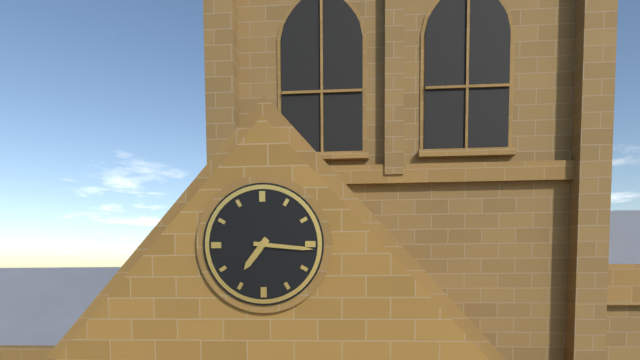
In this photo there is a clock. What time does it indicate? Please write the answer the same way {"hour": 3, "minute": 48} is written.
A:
{"hour": 7, "minute": 16}
